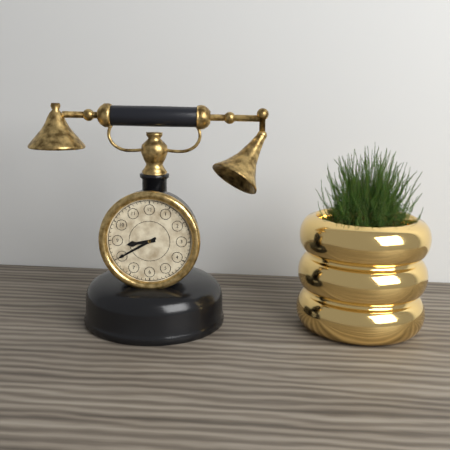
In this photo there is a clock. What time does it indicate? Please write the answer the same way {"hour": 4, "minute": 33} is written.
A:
{"hour": 8, "minute": 40}
